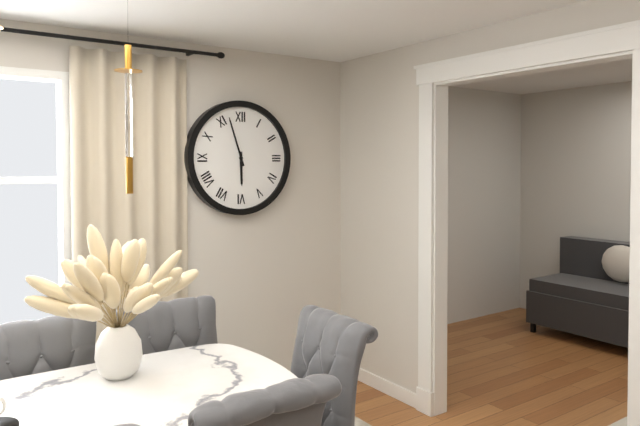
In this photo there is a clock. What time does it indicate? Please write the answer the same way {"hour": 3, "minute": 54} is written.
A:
{"hour": 5, "minute": 57}
